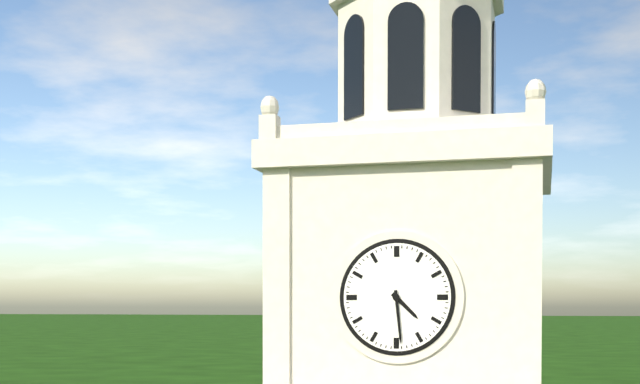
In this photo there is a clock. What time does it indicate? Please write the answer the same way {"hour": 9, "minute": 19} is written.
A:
{"hour": 4, "minute": 29}
